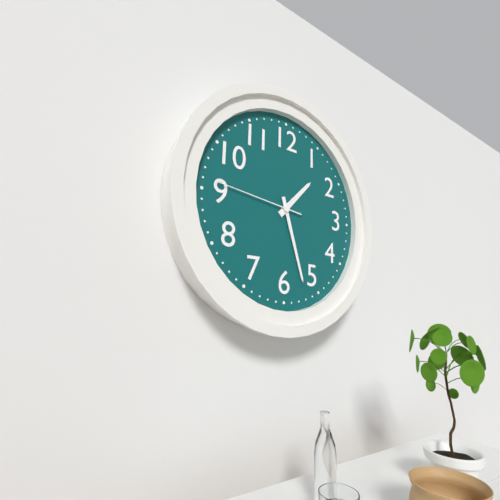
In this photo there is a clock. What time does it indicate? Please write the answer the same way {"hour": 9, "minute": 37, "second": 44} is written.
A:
{"hour": 1, "minute": 27, "second": 46}
